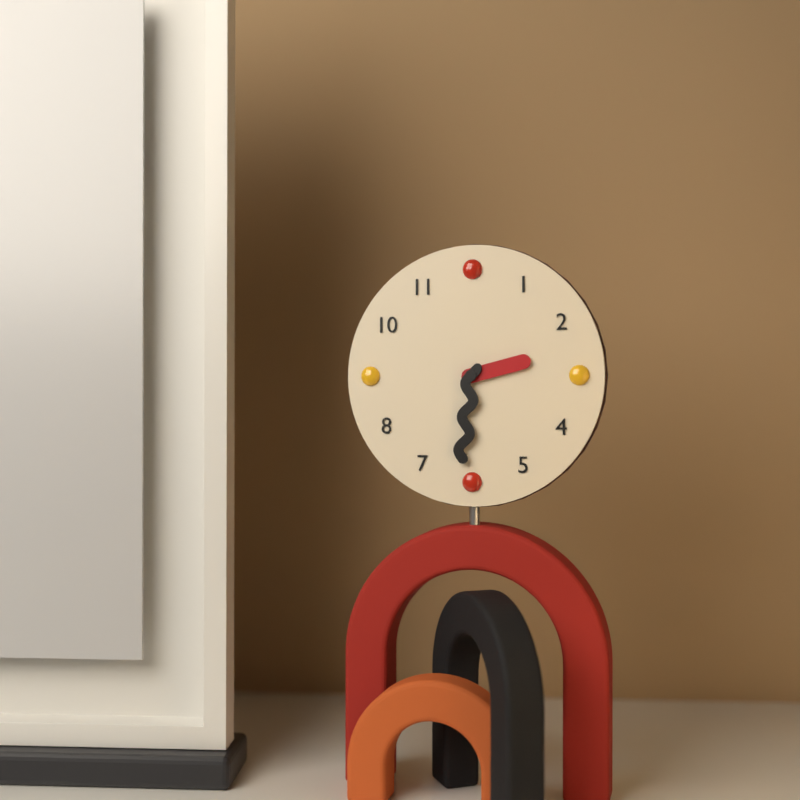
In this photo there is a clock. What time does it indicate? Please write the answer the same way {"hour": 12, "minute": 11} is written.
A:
{"hour": 2, "minute": 31}
